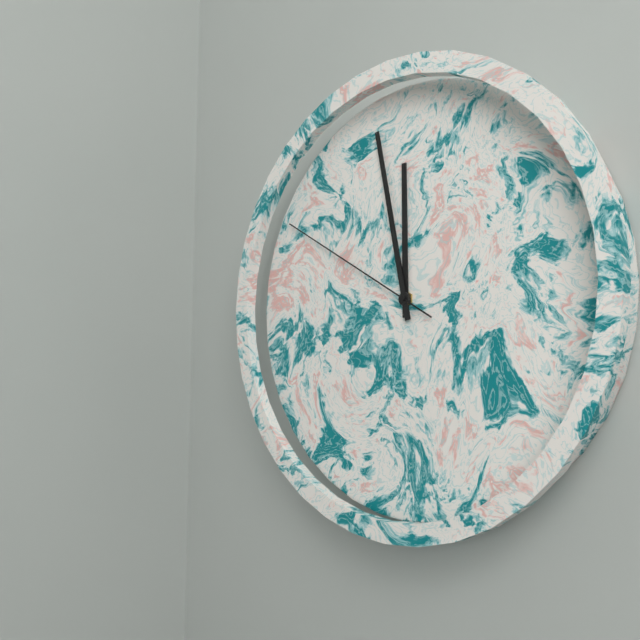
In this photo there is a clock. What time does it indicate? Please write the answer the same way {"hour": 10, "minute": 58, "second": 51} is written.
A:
{"hour": 11, "minute": 58, "second": 50}
